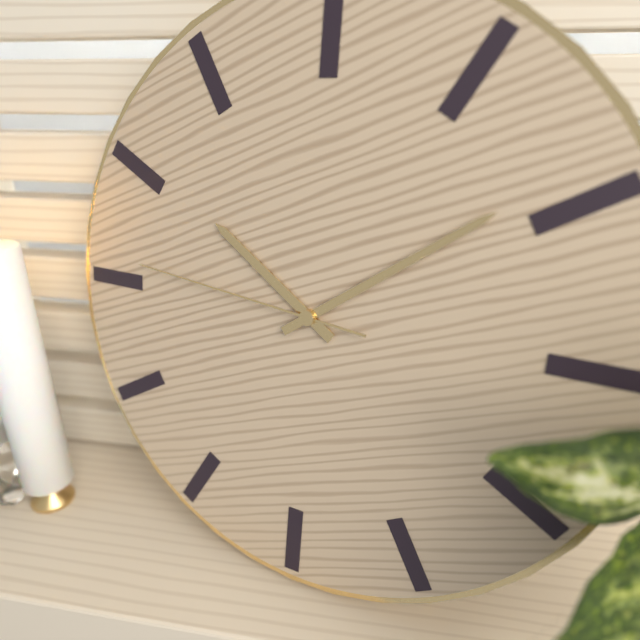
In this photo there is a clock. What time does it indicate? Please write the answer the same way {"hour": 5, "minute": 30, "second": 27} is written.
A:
{"hour": 10, "minute": 9, "second": 46}
